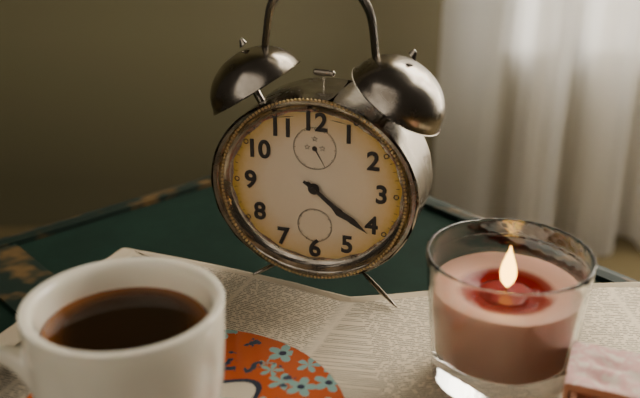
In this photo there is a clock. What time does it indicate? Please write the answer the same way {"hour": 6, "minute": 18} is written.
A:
{"hour": 4, "minute": 21}
